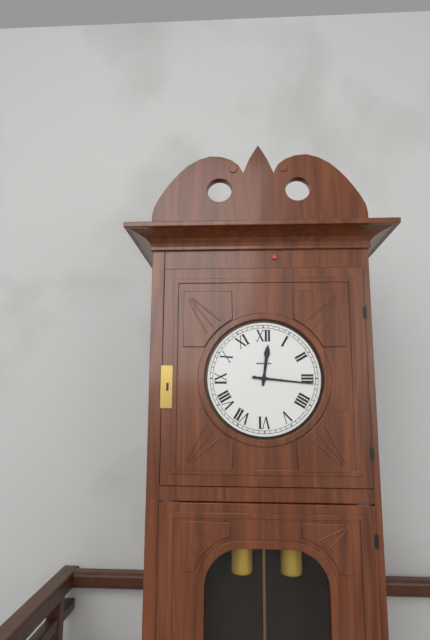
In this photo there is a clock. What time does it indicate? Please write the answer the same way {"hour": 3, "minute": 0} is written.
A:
{"hour": 12, "minute": 16}
